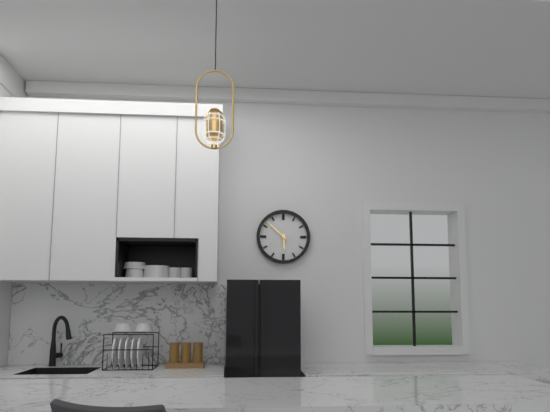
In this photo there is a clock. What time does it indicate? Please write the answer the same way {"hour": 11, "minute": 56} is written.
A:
{"hour": 5, "minute": 52}
